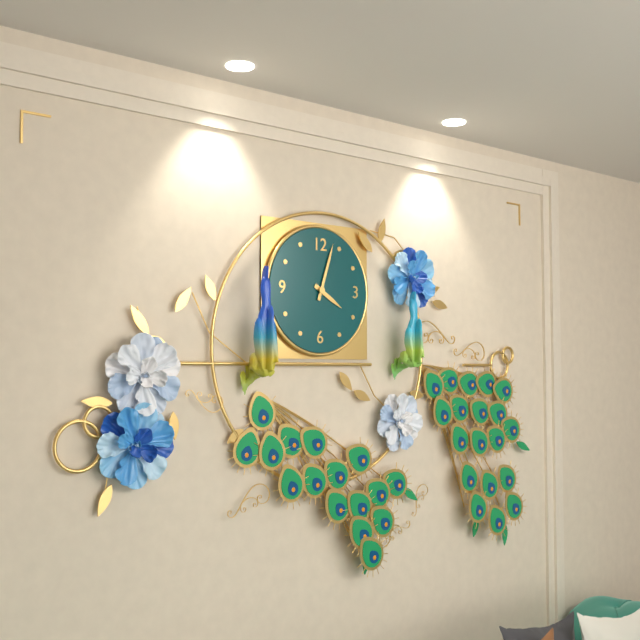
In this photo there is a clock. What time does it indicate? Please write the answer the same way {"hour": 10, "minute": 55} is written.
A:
{"hour": 4, "minute": 3}
